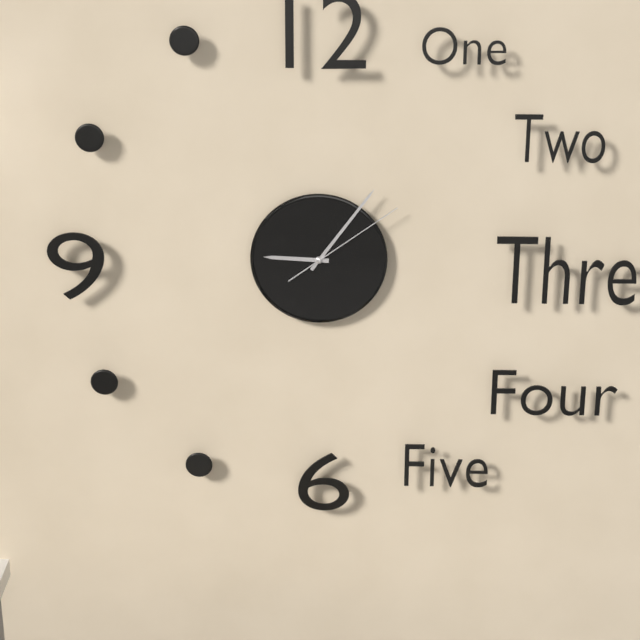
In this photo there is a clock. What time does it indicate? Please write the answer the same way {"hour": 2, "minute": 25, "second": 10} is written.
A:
{"hour": 9, "minute": 6, "second": 9}
